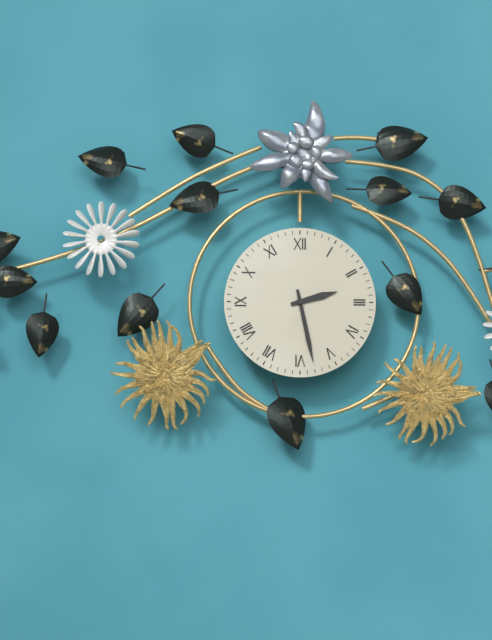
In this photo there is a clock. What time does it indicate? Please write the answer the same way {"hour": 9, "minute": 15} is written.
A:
{"hour": 2, "minute": 28}
